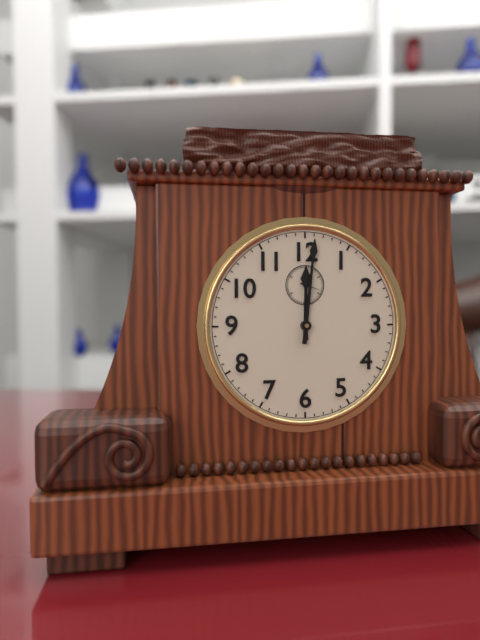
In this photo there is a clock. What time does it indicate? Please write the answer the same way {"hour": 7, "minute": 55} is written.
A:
{"hour": 12, "minute": 1}
